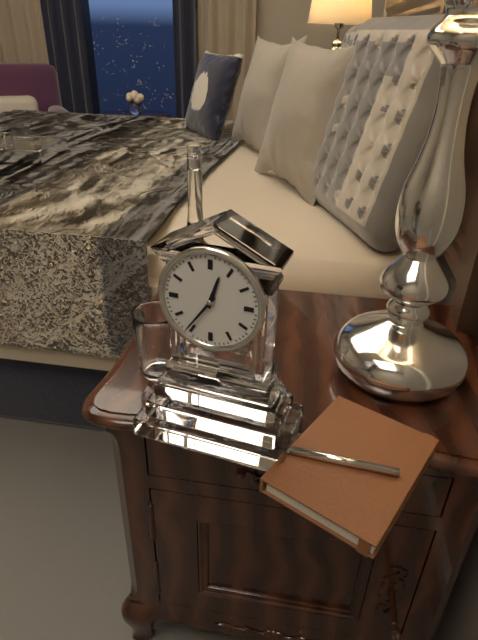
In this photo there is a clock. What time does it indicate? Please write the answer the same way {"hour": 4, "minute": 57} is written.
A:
{"hour": 12, "minute": 36}
